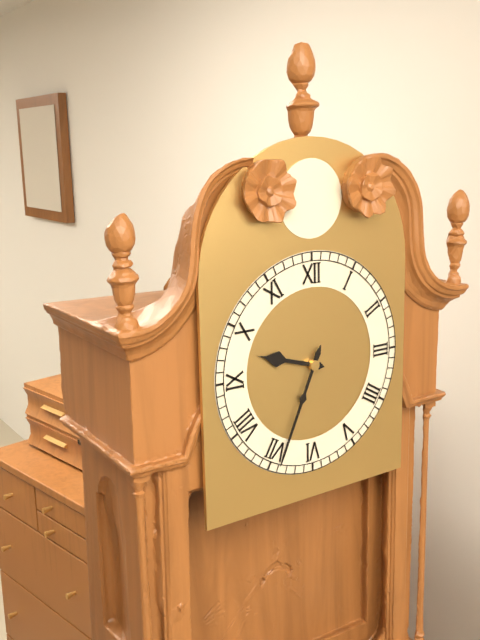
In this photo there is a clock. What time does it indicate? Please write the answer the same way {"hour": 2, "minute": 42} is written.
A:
{"hour": 9, "minute": 34}
